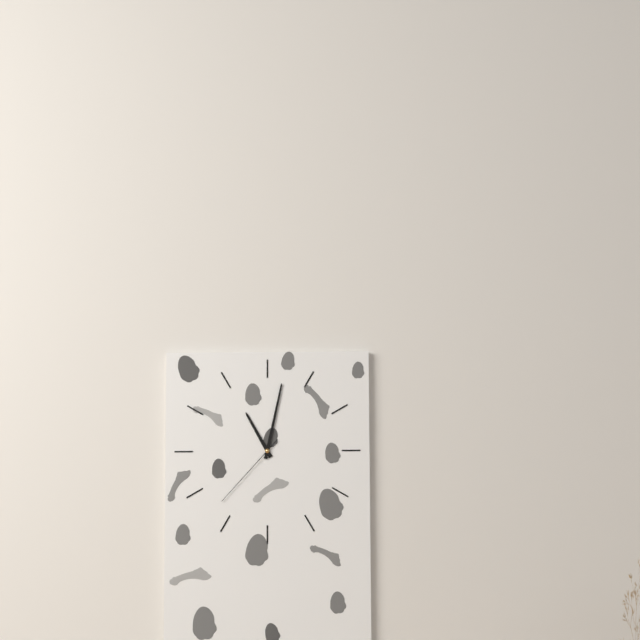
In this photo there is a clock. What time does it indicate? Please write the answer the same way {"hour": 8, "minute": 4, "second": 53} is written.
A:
{"hour": 11, "minute": 2, "second": 37}
